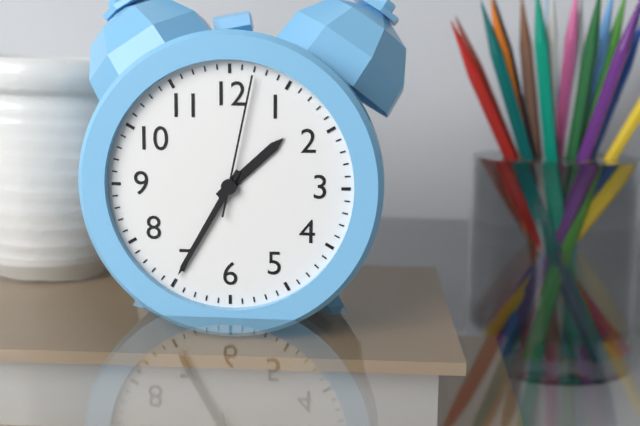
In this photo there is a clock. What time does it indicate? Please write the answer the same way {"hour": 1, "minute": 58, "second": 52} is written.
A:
{"hour": 1, "minute": 35, "second": 2}
